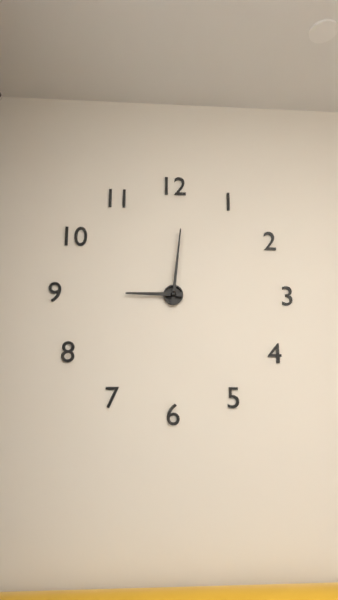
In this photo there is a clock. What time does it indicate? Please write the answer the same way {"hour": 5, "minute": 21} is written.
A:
{"hour": 9, "minute": 1}
